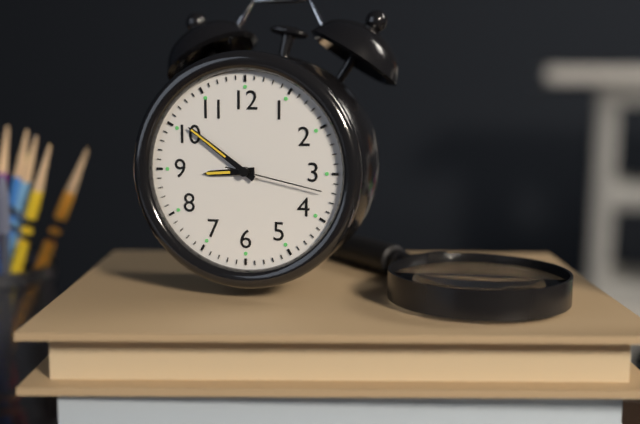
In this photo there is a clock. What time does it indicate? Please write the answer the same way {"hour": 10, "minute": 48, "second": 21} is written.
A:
{"hour": 8, "minute": 51, "second": 17}
